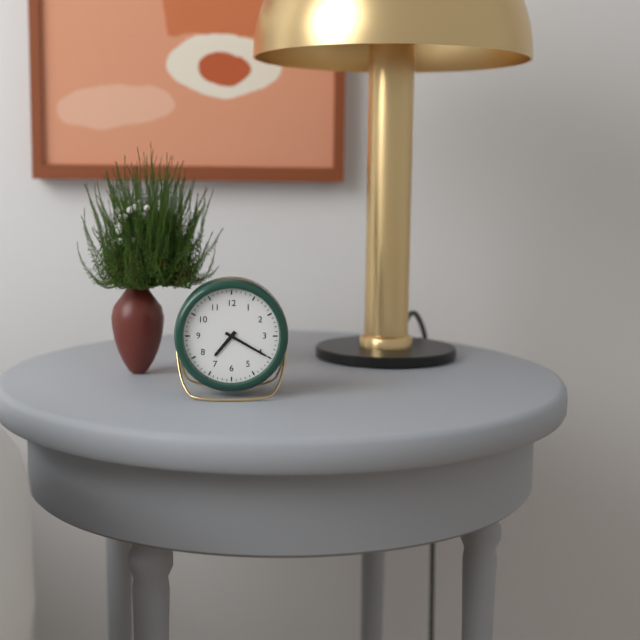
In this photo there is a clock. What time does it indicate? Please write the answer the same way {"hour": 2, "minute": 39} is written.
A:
{"hour": 7, "minute": 20}
